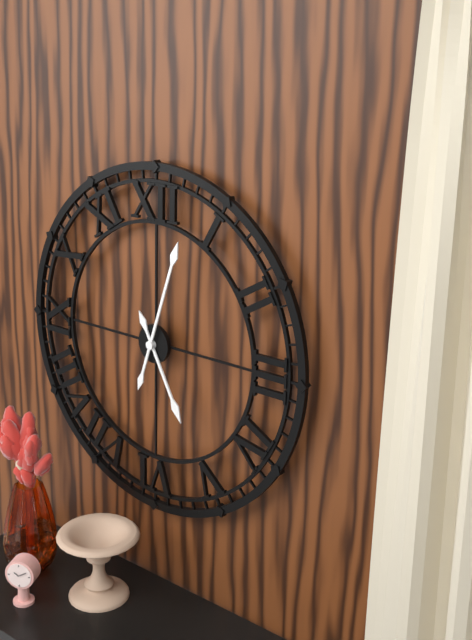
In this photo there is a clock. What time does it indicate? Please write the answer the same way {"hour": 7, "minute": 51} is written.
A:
{"hour": 5, "minute": 3}
